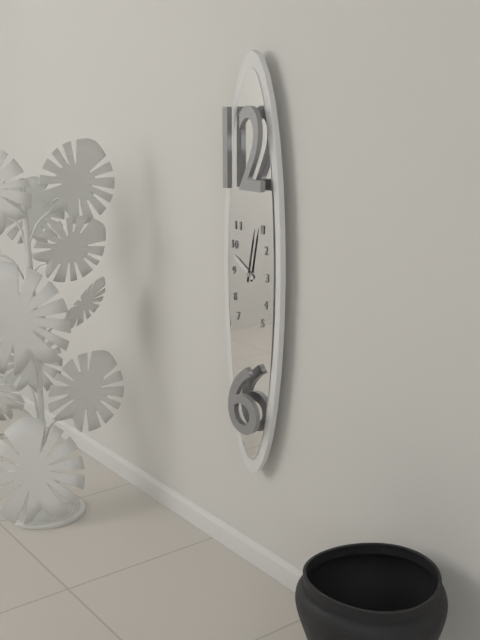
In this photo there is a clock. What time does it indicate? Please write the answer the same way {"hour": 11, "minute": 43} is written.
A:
{"hour": 10, "minute": 2}
